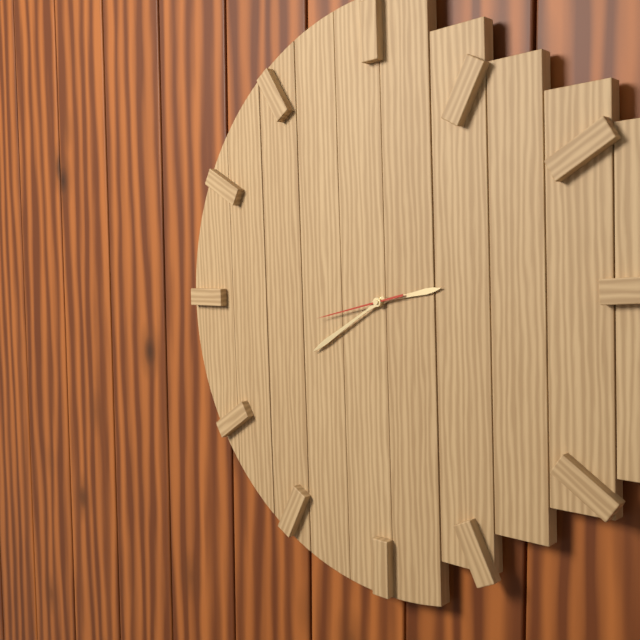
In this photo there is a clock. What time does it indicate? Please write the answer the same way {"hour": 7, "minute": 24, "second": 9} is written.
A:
{"hour": 2, "minute": 40, "second": 43}
